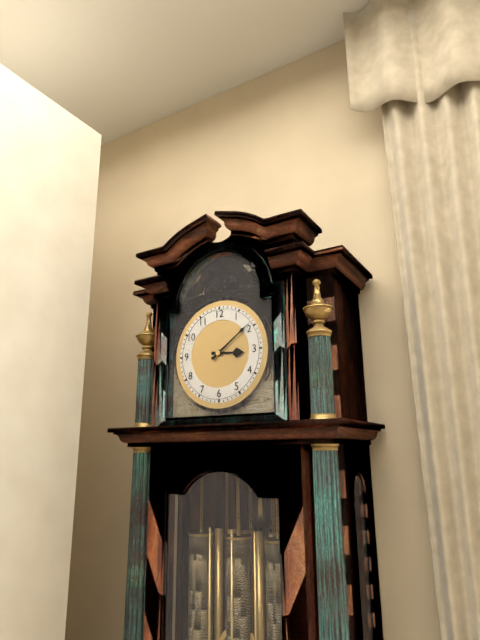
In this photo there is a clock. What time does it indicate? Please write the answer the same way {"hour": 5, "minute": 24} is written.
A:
{"hour": 3, "minute": 9}
